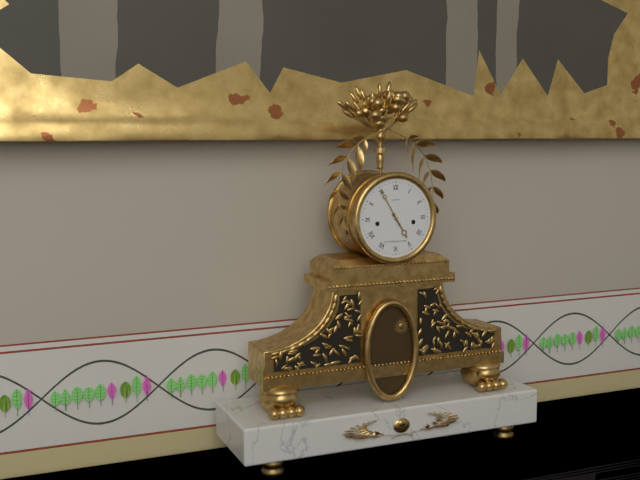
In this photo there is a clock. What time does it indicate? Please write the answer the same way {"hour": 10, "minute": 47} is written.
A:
{"hour": 4, "minute": 55}
